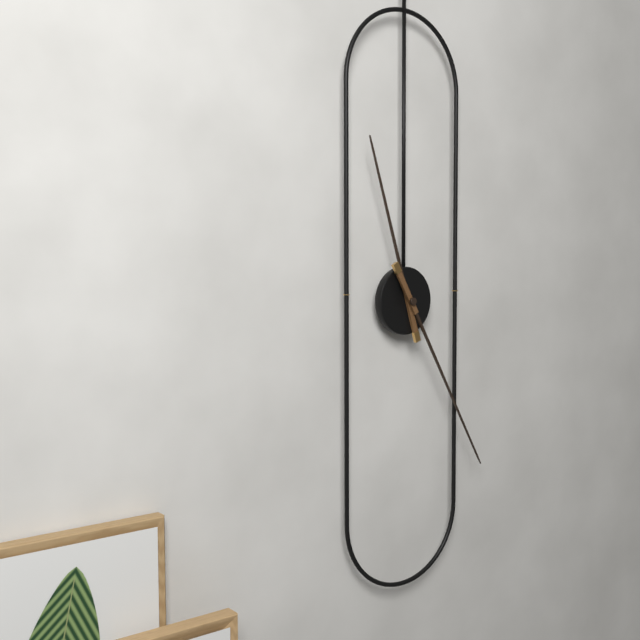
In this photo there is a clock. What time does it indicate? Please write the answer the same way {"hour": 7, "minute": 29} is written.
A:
{"hour": 11, "minute": 25}
